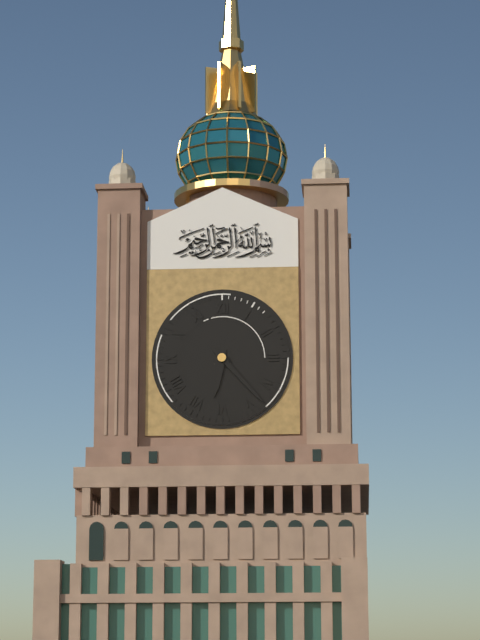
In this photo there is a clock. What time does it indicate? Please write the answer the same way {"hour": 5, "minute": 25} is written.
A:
{"hour": 6, "minute": 23}
